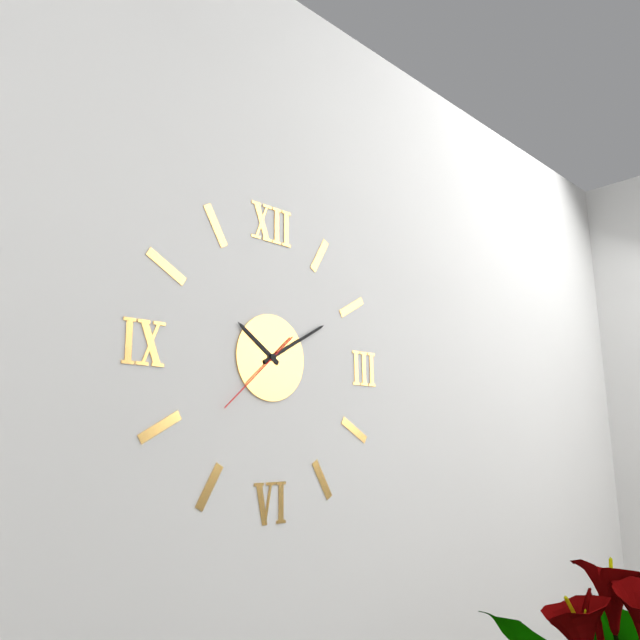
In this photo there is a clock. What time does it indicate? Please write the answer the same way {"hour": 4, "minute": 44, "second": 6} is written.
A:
{"hour": 10, "minute": 10, "second": 38}
